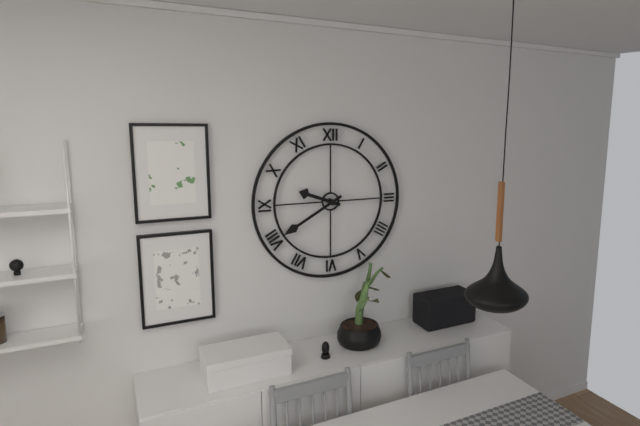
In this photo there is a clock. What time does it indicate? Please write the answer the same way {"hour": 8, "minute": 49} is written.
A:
{"hour": 9, "minute": 40}
